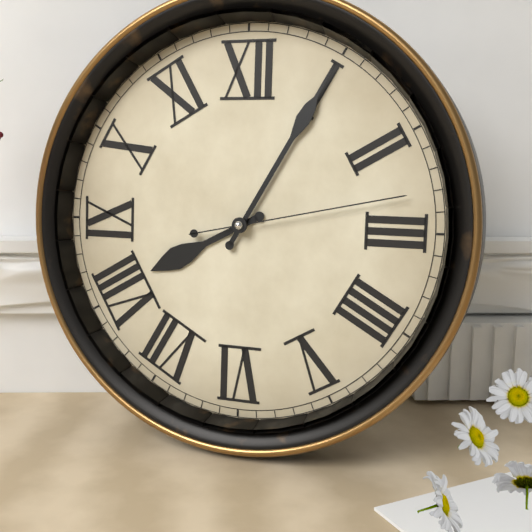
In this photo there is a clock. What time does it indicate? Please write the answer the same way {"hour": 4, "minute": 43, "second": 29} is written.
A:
{"hour": 8, "minute": 5, "second": 13}
